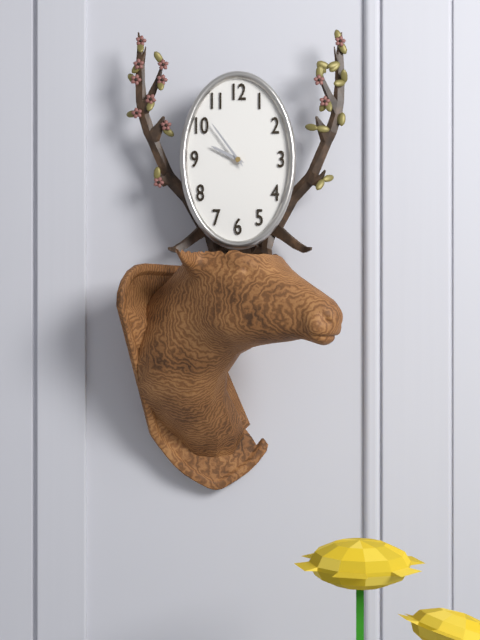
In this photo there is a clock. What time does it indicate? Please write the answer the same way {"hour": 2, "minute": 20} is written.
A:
{"hour": 9, "minute": 54}
